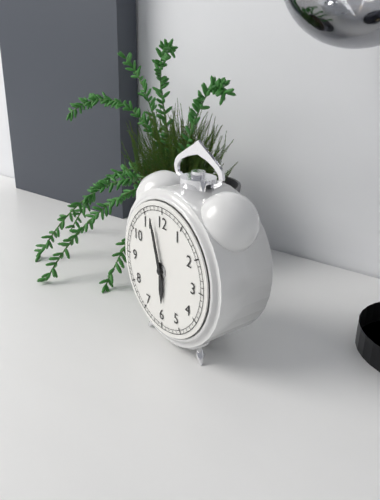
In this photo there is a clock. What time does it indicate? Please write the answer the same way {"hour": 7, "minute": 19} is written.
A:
{"hour": 5, "minute": 57}
